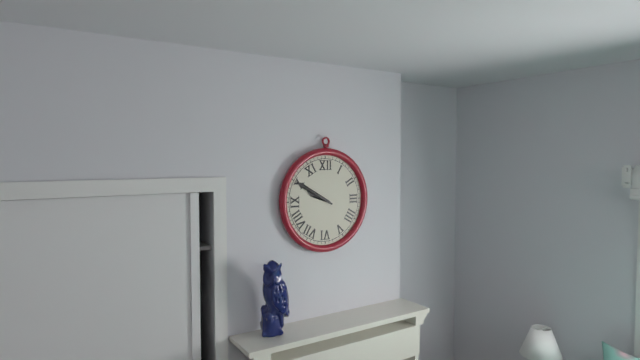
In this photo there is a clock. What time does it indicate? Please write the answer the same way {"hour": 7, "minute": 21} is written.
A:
{"hour": 9, "minute": 50}
